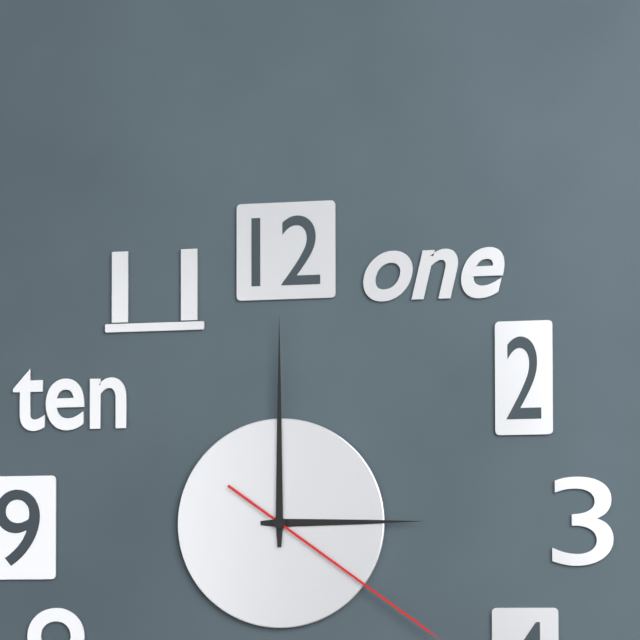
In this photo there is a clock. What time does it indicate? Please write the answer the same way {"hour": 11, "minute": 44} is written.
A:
{"hour": 3, "minute": 0}
